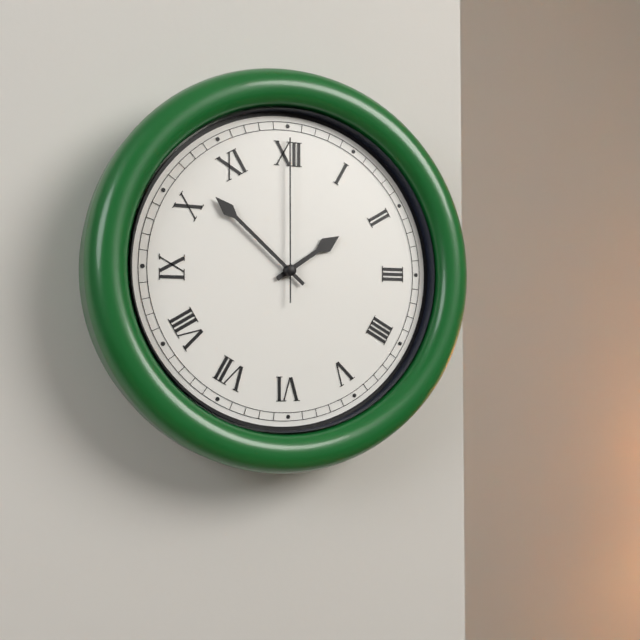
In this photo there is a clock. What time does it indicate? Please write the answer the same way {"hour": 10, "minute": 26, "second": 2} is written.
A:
{"hour": 1, "minute": 52, "second": 0}
